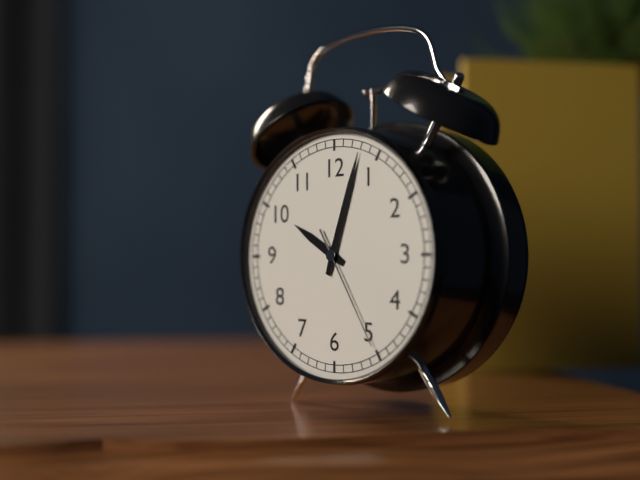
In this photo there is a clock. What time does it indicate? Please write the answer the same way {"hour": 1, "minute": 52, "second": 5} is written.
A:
{"hour": 10, "minute": 3, "second": 25}
